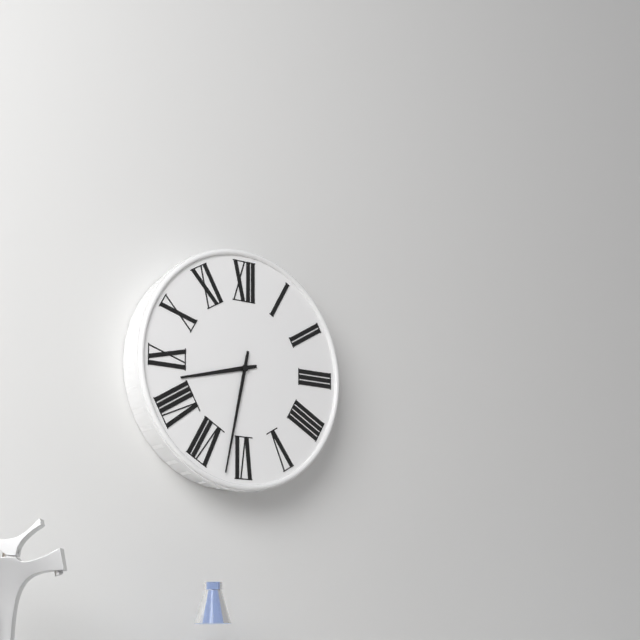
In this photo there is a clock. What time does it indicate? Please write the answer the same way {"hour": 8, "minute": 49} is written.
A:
{"hour": 8, "minute": 32}
